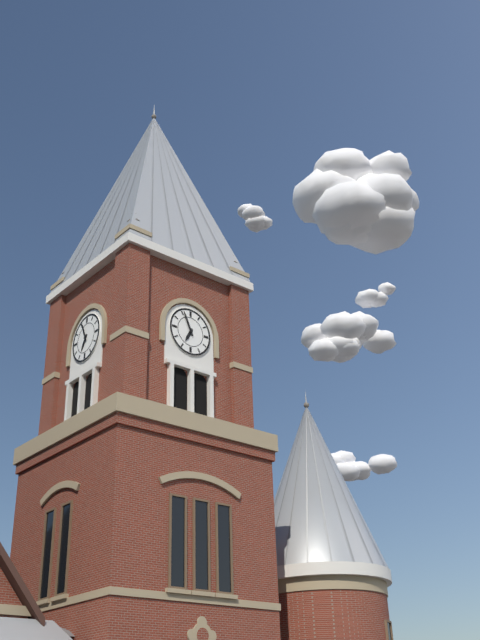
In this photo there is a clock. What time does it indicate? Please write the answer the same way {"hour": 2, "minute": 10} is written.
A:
{"hour": 6, "minute": 56}
